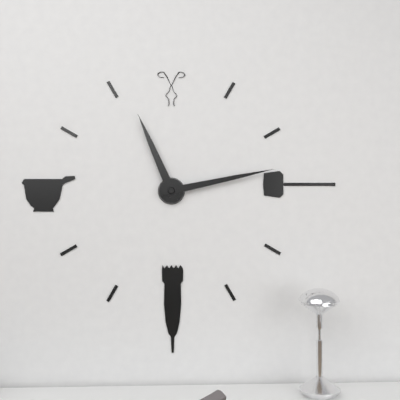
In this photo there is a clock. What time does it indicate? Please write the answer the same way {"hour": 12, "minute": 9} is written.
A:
{"hour": 11, "minute": 13}
